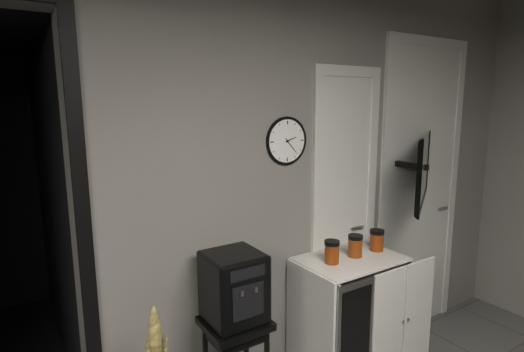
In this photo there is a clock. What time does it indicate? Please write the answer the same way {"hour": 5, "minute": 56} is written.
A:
{"hour": 2, "minute": 23}
